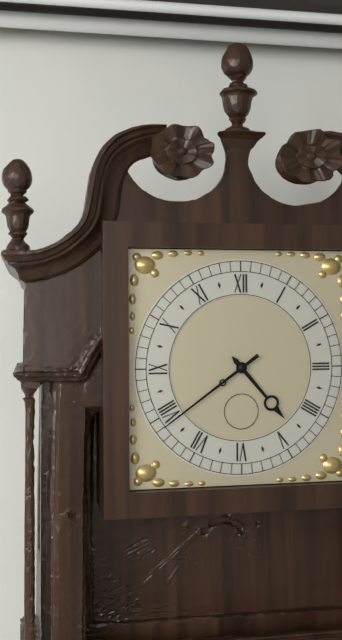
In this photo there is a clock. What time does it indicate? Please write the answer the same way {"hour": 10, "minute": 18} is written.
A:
{"hour": 4, "minute": 39}
